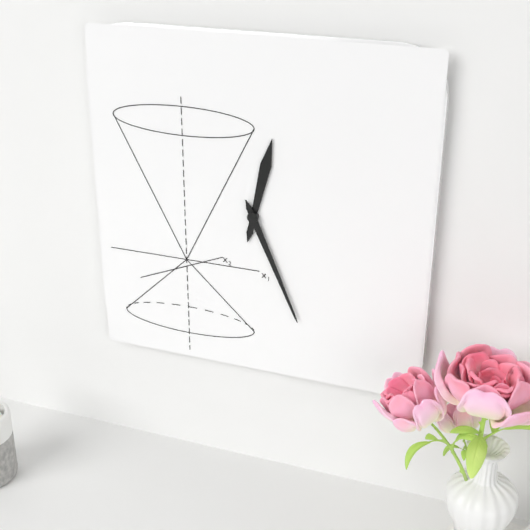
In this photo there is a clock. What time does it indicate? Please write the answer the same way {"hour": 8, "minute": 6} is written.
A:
{"hour": 12, "minute": 26}
